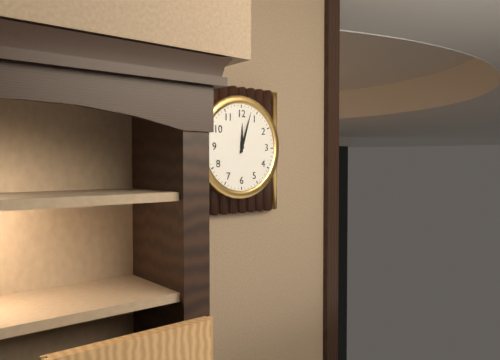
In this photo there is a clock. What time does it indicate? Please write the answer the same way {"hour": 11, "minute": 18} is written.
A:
{"hour": 12, "minute": 3}
